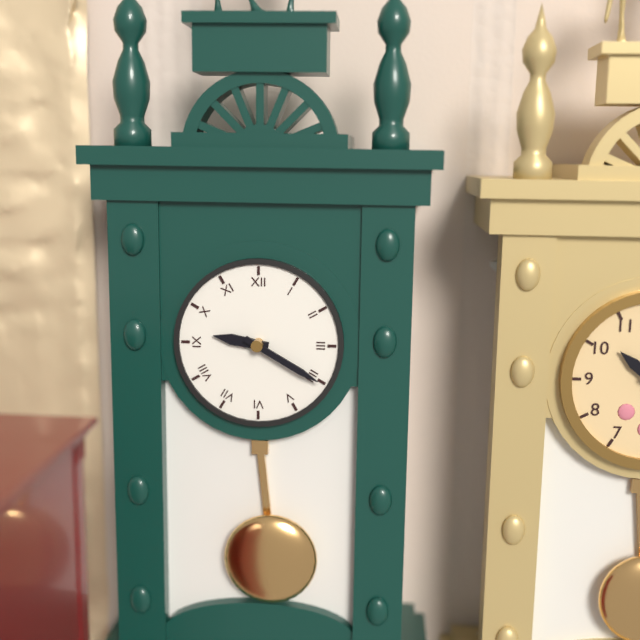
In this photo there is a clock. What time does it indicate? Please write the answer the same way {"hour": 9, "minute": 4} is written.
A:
{"hour": 9, "minute": 20}
